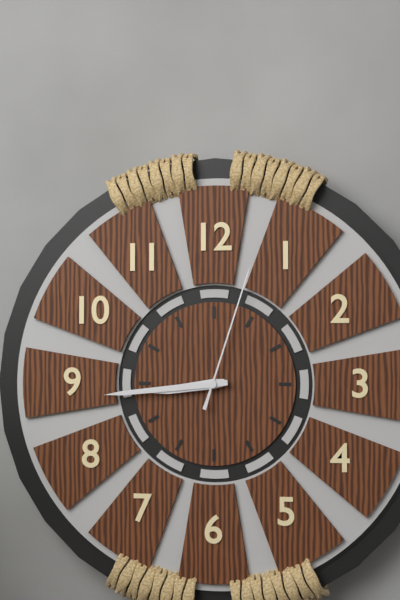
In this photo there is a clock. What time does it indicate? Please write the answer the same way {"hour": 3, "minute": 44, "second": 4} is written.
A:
{"hour": 8, "minute": 44, "second": 3}
